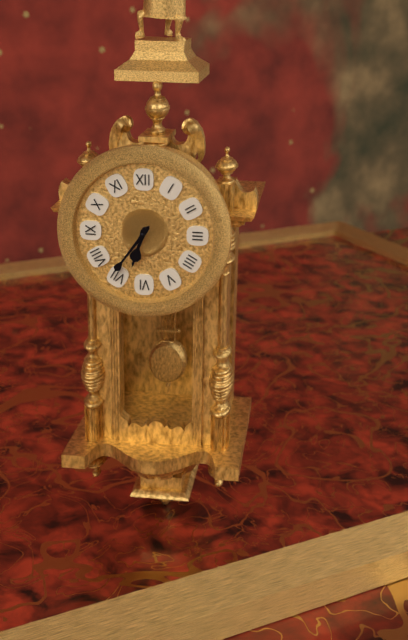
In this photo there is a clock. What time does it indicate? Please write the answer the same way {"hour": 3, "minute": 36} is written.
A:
{"hour": 6, "minute": 36}
